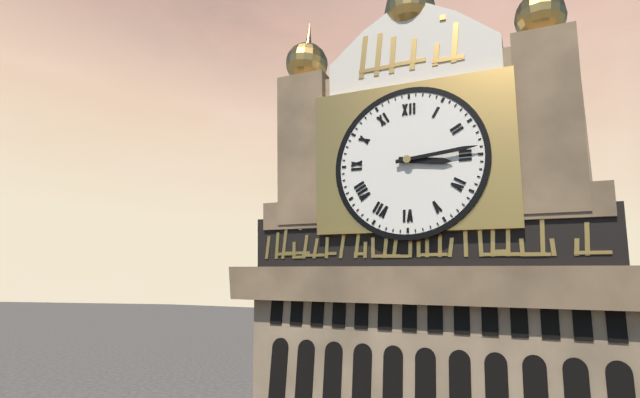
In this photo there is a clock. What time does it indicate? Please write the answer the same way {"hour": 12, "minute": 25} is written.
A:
{"hour": 3, "minute": 14}
